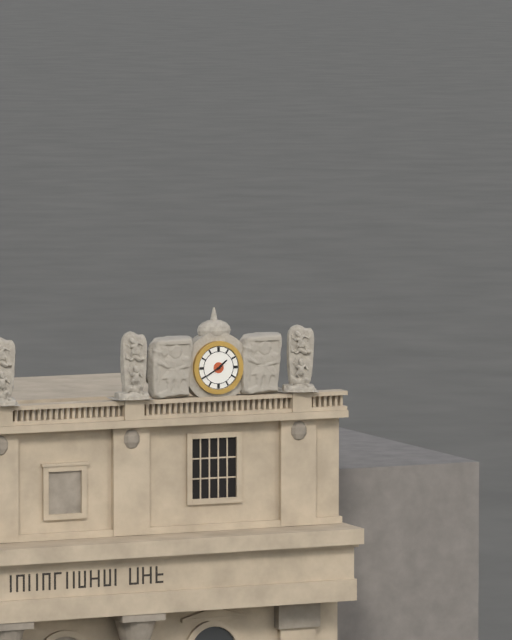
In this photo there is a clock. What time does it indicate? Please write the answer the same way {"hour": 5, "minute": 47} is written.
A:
{"hour": 1, "minute": 40}
